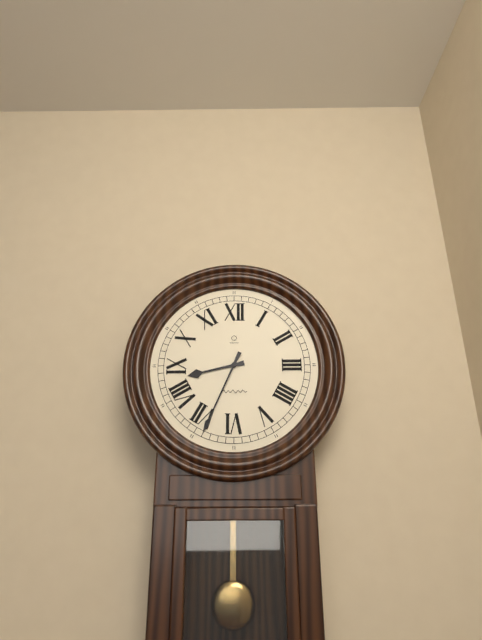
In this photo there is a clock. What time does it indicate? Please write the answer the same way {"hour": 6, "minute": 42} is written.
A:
{"hour": 8, "minute": 34}
